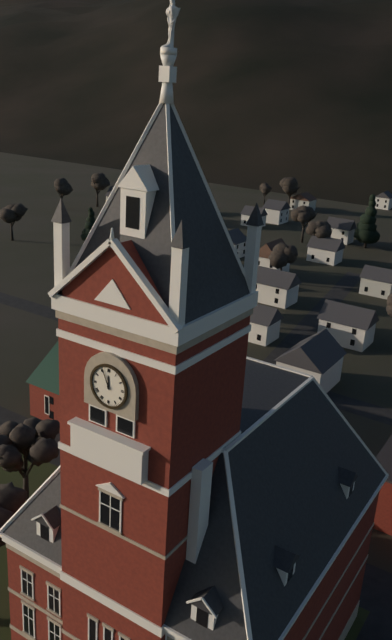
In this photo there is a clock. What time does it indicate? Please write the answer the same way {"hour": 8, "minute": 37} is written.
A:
{"hour": 11, "minute": 56}
